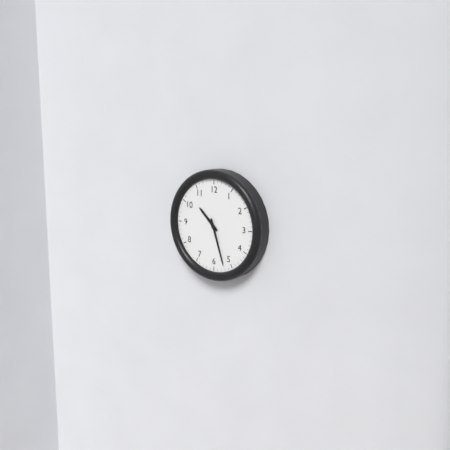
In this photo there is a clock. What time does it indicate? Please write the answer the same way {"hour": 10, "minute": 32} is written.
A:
{"hour": 10, "minute": 27}
